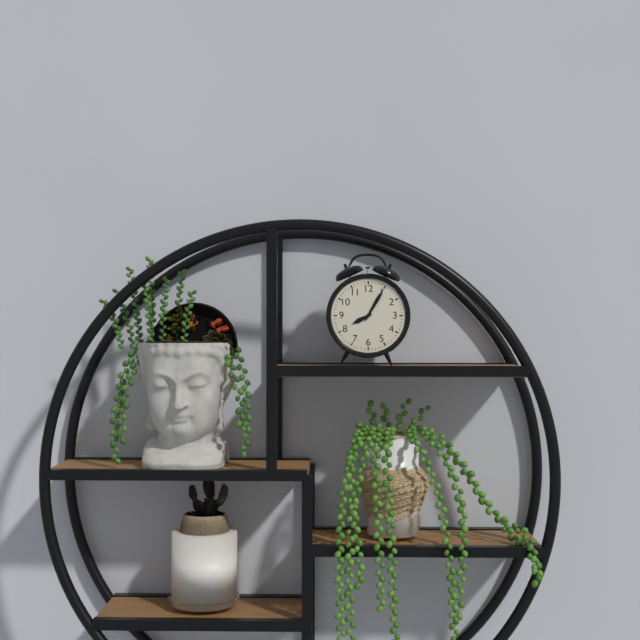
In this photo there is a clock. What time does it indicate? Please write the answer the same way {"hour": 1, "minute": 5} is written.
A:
{"hour": 8, "minute": 5}
